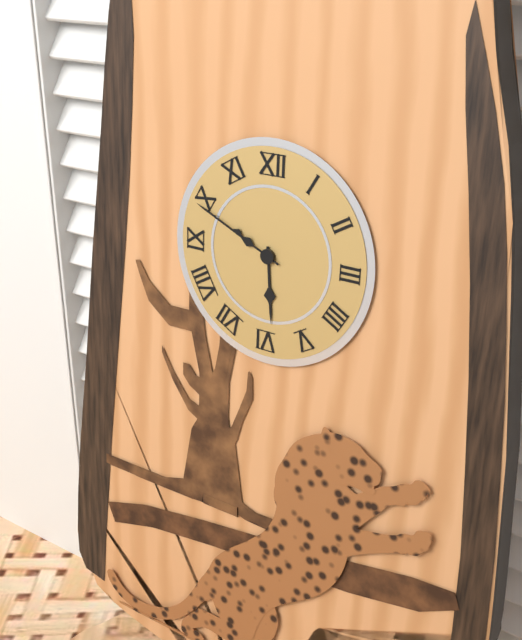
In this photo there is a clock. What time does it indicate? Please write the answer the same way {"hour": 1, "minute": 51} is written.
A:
{"hour": 5, "minute": 49}
